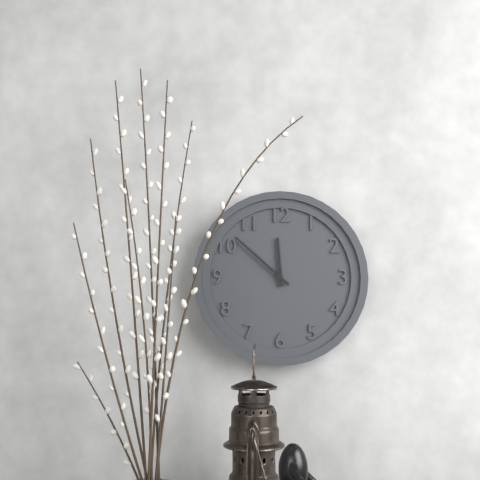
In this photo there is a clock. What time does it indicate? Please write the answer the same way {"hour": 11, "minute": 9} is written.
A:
{"hour": 11, "minute": 52}
